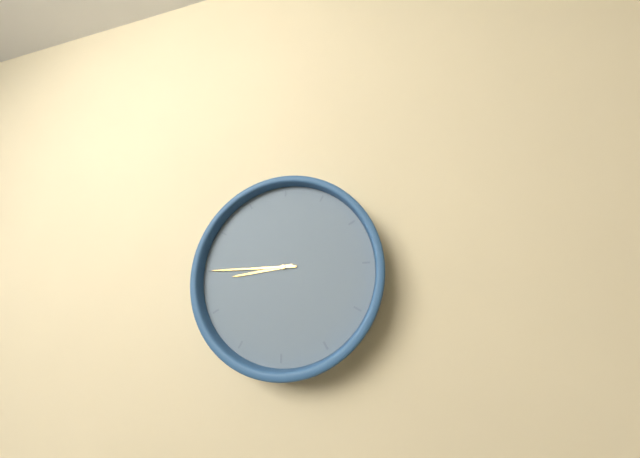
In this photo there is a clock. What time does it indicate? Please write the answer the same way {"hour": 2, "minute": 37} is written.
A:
{"hour": 8, "minute": 45}
